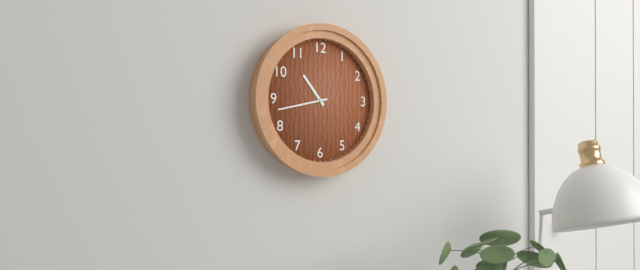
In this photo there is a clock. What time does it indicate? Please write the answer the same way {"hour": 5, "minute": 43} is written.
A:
{"hour": 10, "minute": 43}
